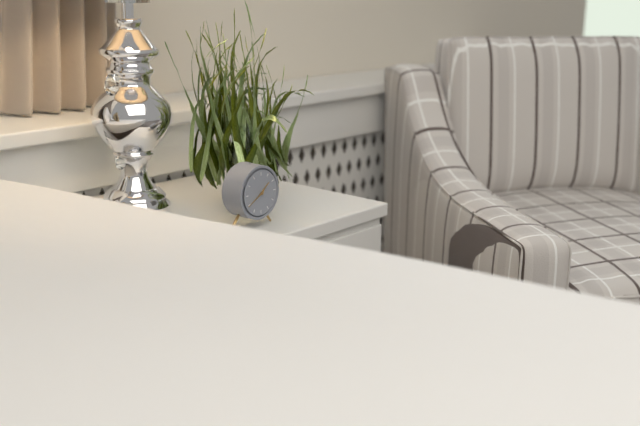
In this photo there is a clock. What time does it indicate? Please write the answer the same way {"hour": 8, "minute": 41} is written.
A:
{"hour": 1, "minute": 40}
